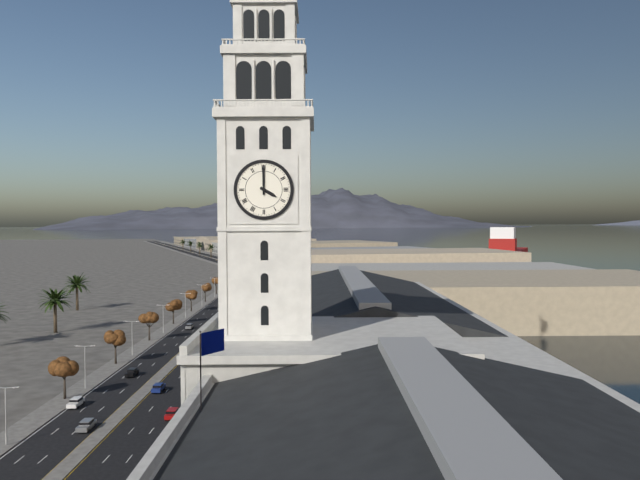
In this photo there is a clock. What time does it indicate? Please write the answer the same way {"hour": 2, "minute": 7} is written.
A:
{"hour": 4, "minute": 0}
